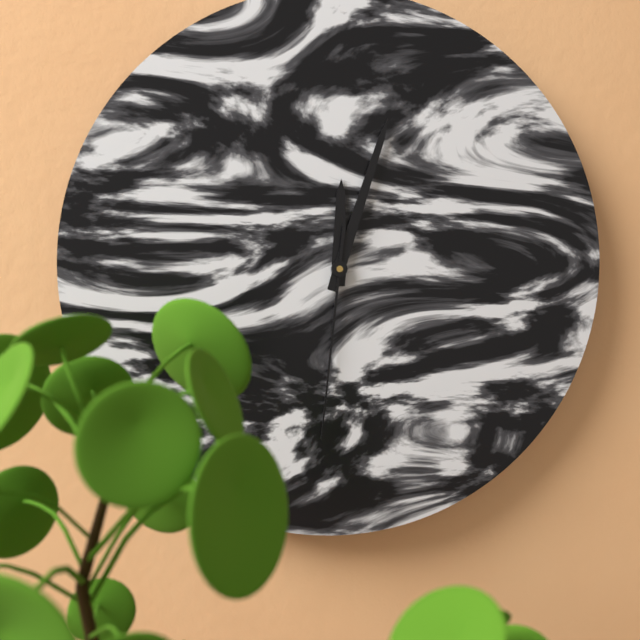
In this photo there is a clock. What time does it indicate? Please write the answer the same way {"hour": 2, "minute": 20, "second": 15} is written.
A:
{"hour": 12, "minute": 3, "second": 31}
